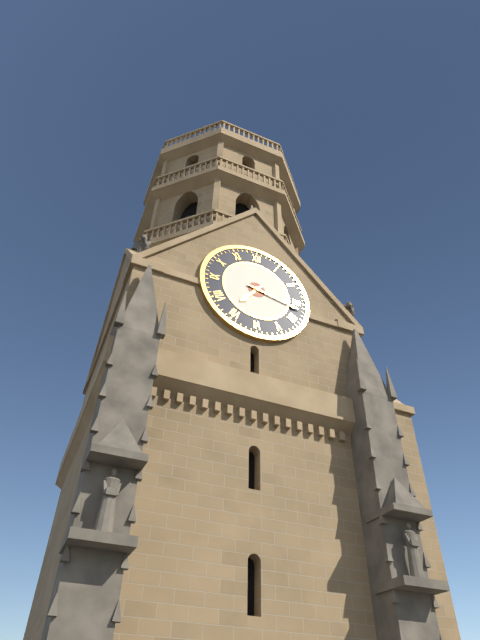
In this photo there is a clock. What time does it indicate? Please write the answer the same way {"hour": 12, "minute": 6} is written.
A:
{"hour": 7, "minute": 17}
